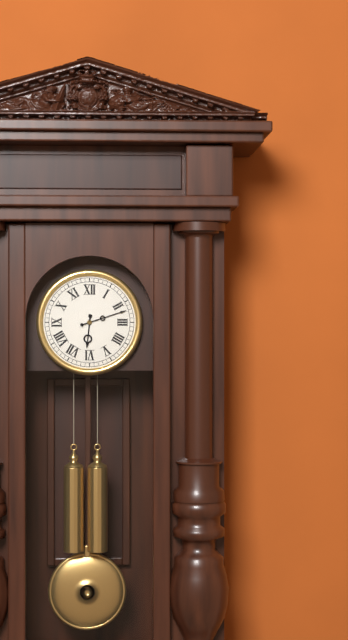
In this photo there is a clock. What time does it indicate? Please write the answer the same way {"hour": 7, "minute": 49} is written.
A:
{"hour": 6, "minute": 12}
